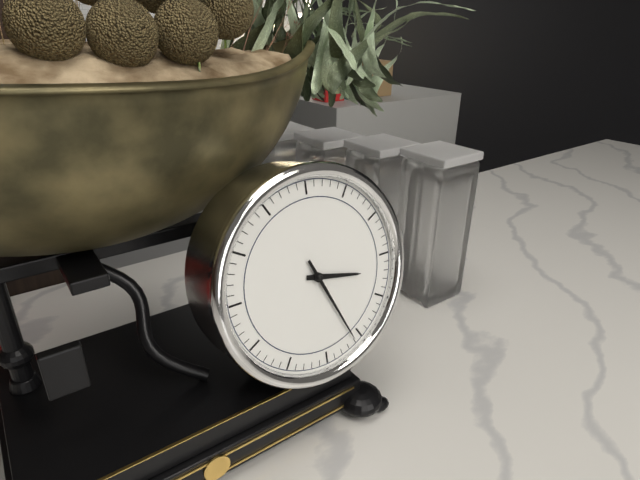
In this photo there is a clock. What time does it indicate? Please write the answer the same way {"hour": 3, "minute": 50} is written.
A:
{"hour": 3, "minute": 26}
